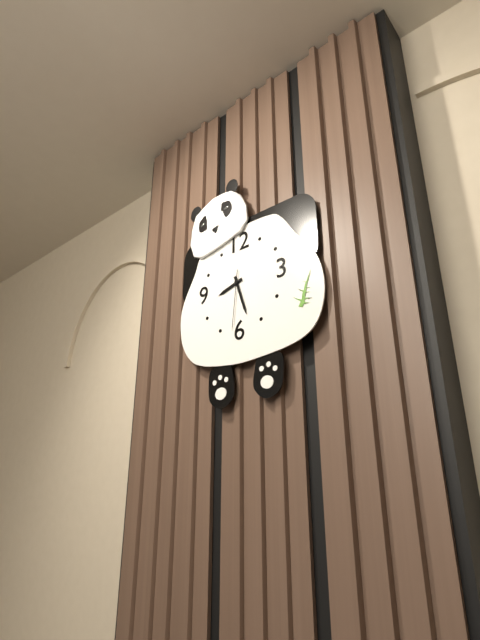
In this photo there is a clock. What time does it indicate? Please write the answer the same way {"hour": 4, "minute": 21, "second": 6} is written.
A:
{"hour": 8, "minute": 27, "second": 31}
